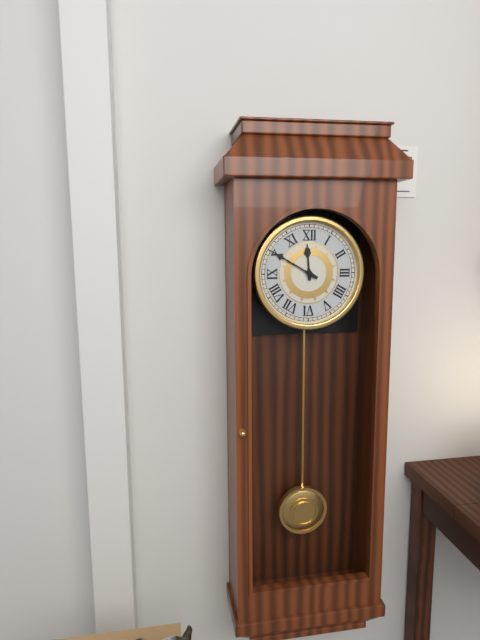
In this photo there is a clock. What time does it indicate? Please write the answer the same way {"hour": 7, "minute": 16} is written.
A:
{"hour": 11, "minute": 50}
